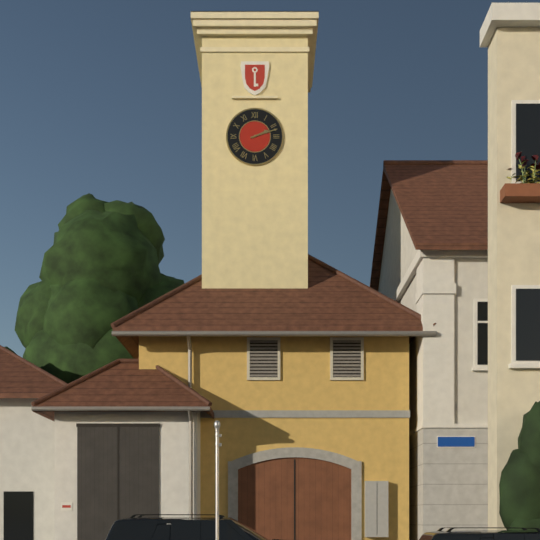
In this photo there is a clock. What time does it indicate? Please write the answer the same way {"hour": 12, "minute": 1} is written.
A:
{"hour": 2, "minute": 12}
